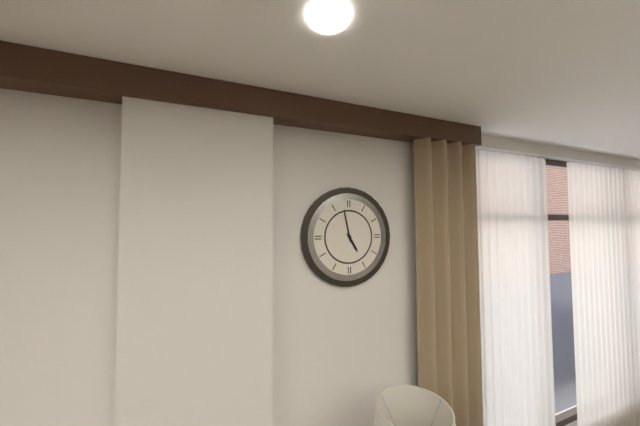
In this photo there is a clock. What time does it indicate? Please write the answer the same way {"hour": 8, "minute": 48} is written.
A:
{"hour": 4, "minute": 58}
